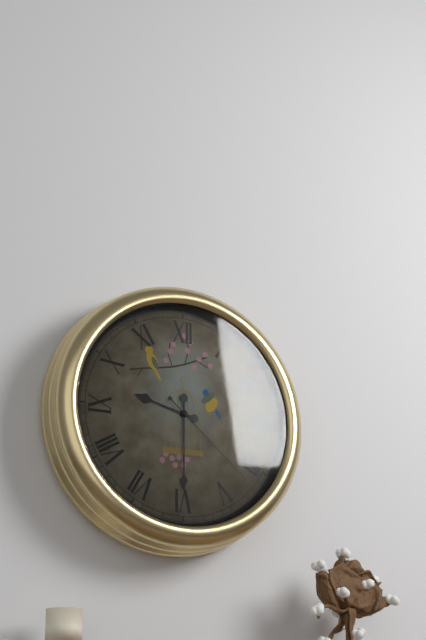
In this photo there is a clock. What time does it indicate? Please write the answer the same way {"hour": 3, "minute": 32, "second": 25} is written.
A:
{"hour": 9, "minute": 30, "second": 22}
